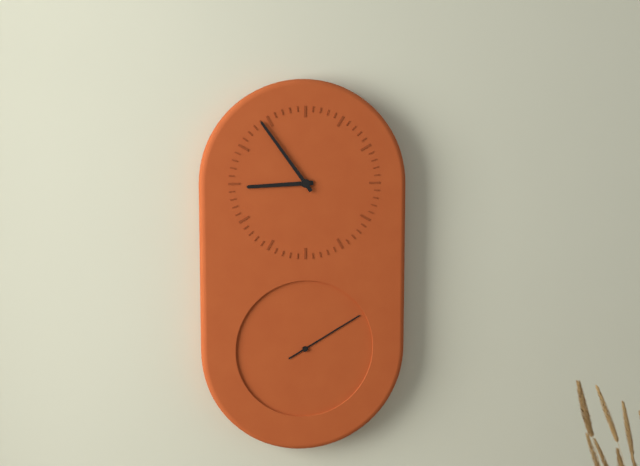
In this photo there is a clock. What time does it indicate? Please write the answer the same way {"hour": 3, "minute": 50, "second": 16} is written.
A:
{"hour": 8, "minute": 54, "second": 10}
